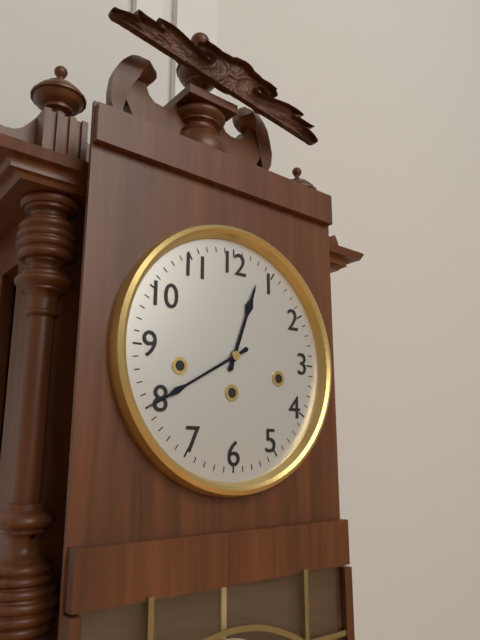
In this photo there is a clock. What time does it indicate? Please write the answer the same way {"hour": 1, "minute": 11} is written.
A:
{"hour": 12, "minute": 40}
